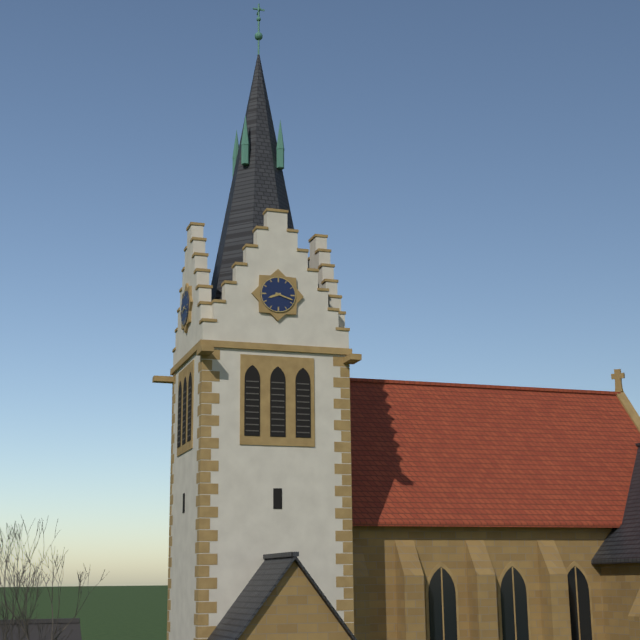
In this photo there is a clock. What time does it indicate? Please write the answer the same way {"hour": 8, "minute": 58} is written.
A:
{"hour": 8, "minute": 18}
